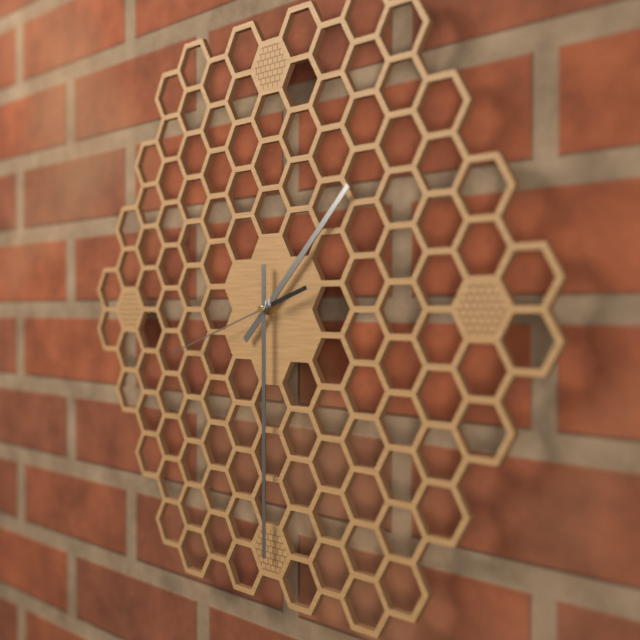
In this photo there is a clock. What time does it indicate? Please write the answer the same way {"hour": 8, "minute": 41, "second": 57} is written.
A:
{"hour": 1, "minute": 30, "second": 42}
